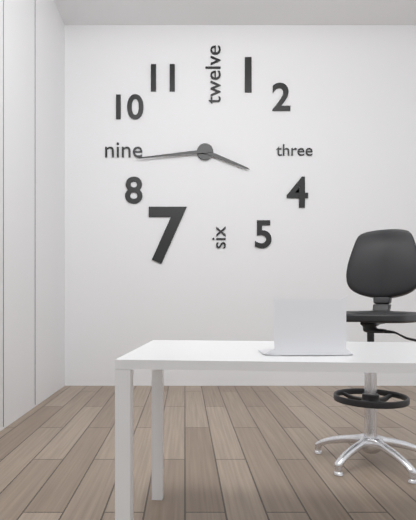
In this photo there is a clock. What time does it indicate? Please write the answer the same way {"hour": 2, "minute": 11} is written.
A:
{"hour": 3, "minute": 44}
